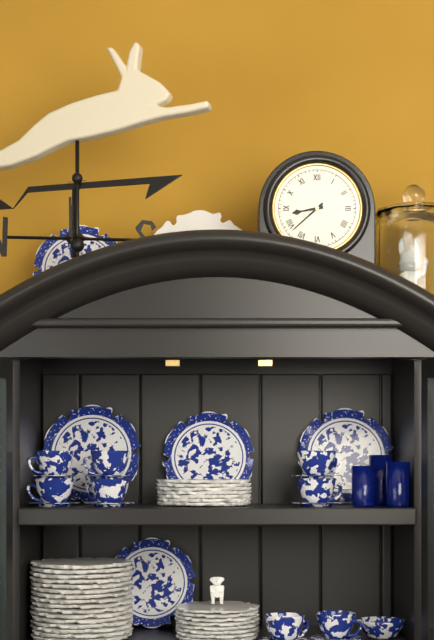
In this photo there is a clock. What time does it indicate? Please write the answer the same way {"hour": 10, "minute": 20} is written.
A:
{"hour": 8, "minute": 38}
